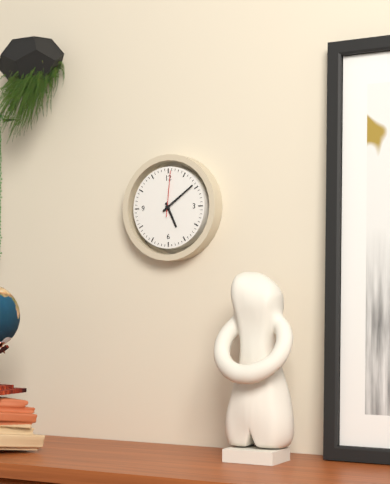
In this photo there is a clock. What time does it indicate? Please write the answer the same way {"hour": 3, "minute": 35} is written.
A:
{"hour": 5, "minute": 9}
